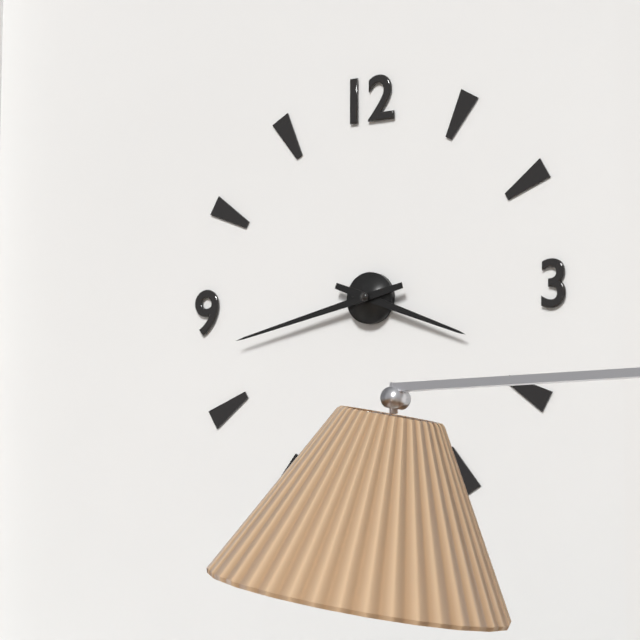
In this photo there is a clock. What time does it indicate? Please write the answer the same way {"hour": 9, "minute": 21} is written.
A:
{"hour": 3, "minute": 43}
